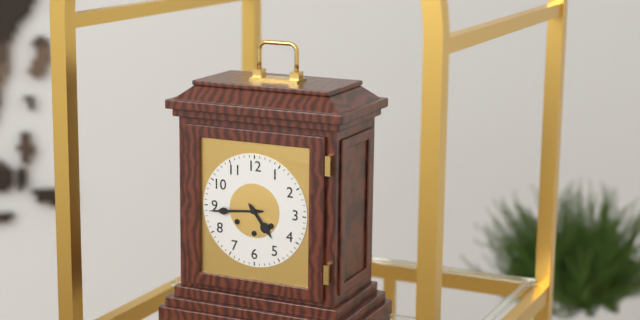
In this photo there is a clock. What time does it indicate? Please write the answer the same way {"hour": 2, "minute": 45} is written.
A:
{"hour": 4, "minute": 44}
